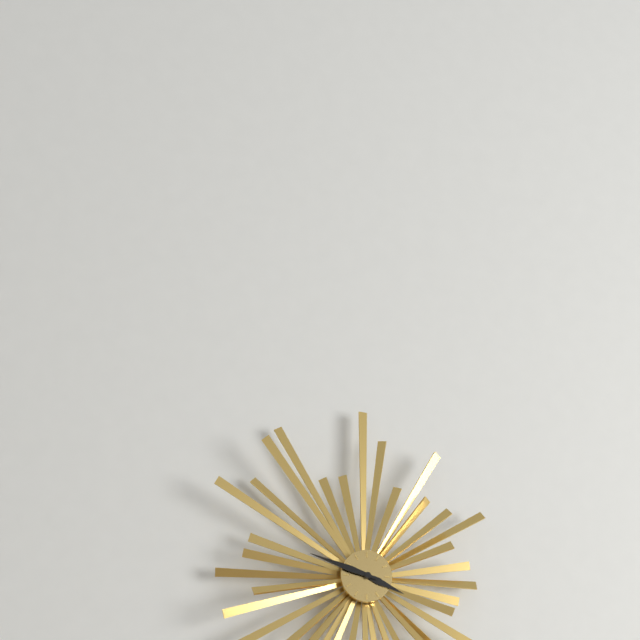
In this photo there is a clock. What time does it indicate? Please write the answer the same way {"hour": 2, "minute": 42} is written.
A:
{"hour": 3, "minute": 48}
